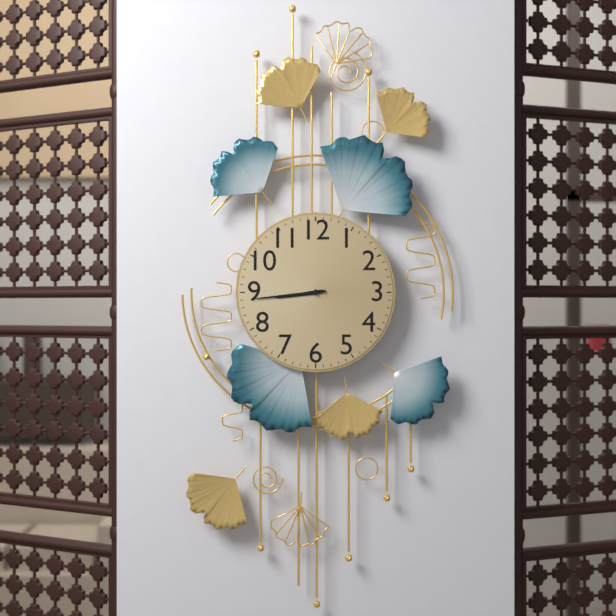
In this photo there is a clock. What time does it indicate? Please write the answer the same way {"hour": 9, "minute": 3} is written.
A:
{"hour": 8, "minute": 44}
